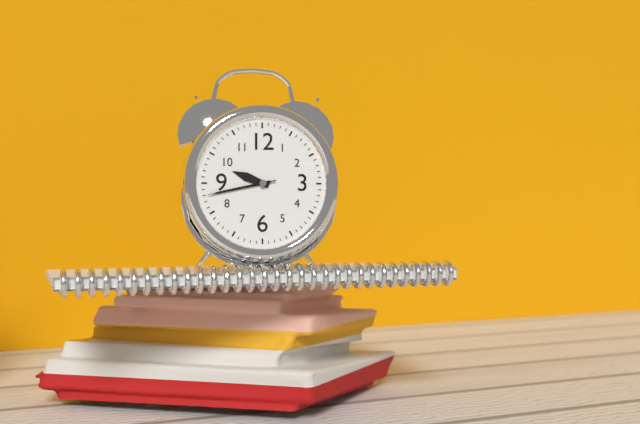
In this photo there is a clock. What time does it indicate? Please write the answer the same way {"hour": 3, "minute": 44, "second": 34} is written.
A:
{"hour": 9, "minute": 43, "second": 43}
